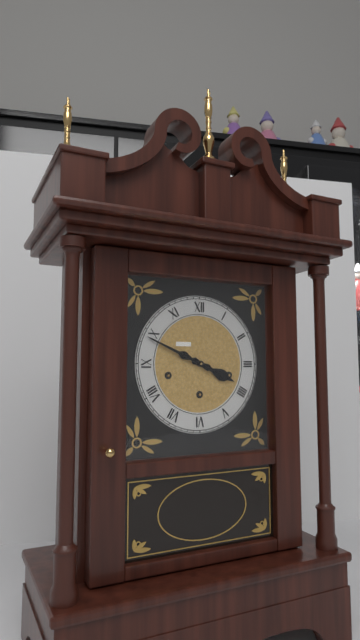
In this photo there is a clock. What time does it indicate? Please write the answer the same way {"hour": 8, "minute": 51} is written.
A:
{"hour": 3, "minute": 49}
